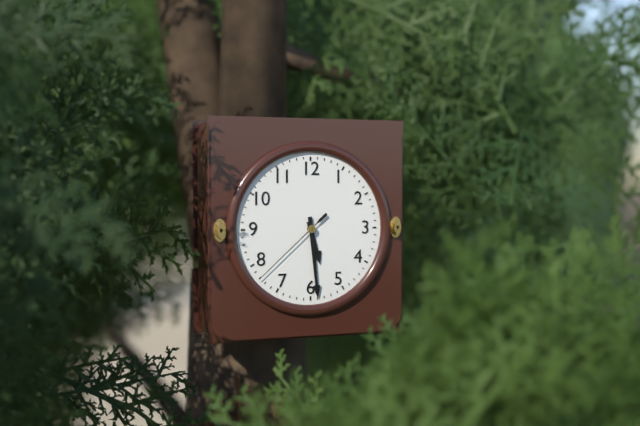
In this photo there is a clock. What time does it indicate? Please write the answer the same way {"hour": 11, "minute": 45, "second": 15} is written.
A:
{"hour": 5, "minute": 29, "second": 38}
